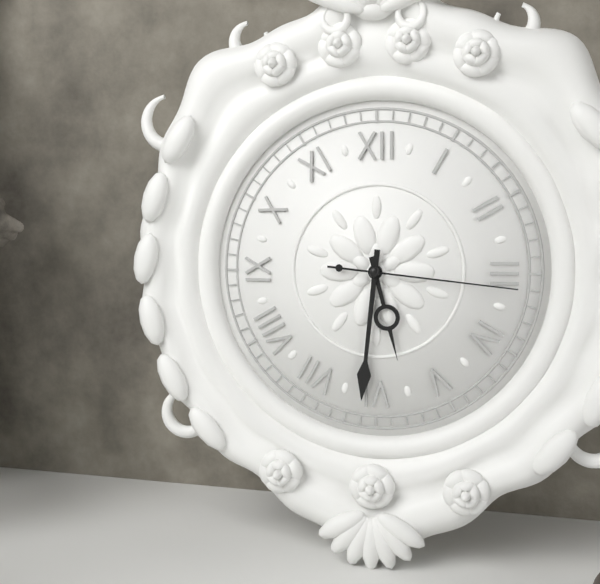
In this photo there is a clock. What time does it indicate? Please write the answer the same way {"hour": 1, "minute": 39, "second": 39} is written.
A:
{"hour": 5, "minute": 31, "second": 16}
